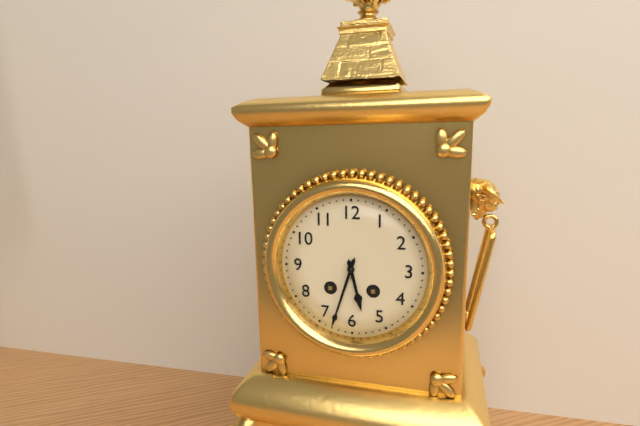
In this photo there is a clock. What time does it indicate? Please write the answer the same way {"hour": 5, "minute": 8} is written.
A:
{"hour": 5, "minute": 33}
